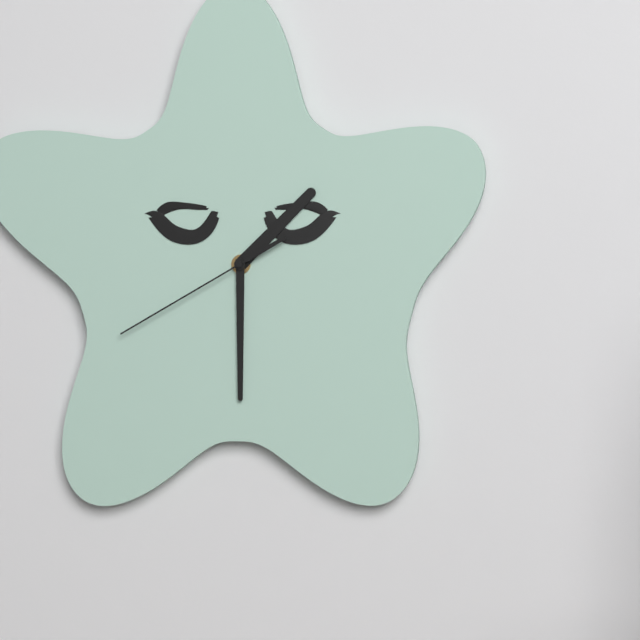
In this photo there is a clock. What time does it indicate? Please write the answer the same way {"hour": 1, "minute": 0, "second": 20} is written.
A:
{"hour": 1, "minute": 30, "second": 40}
